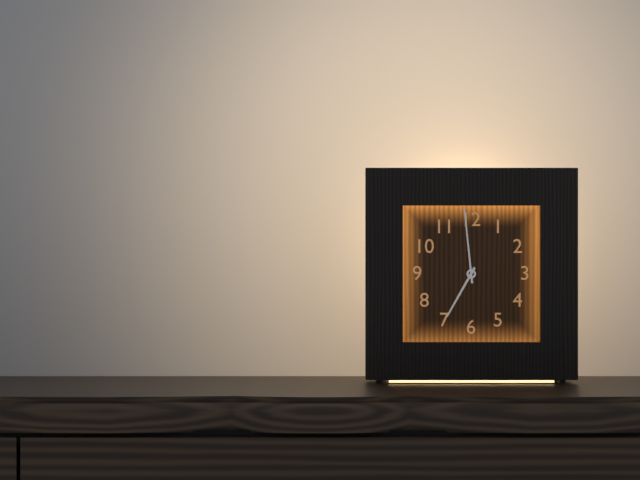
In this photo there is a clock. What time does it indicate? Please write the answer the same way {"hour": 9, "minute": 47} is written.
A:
{"hour": 6, "minute": 59}
